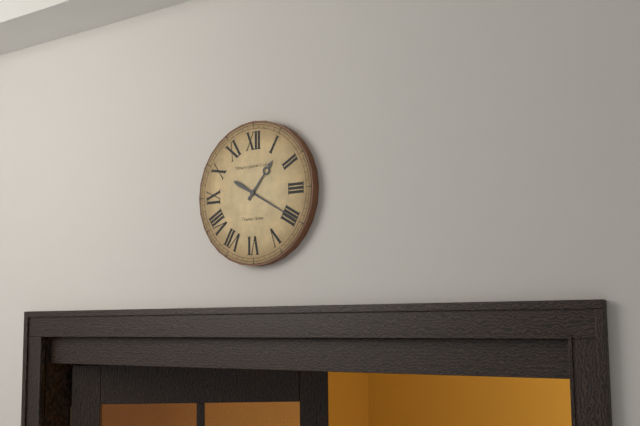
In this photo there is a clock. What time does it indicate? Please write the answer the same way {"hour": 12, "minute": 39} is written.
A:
{"hour": 1, "minute": 20}
